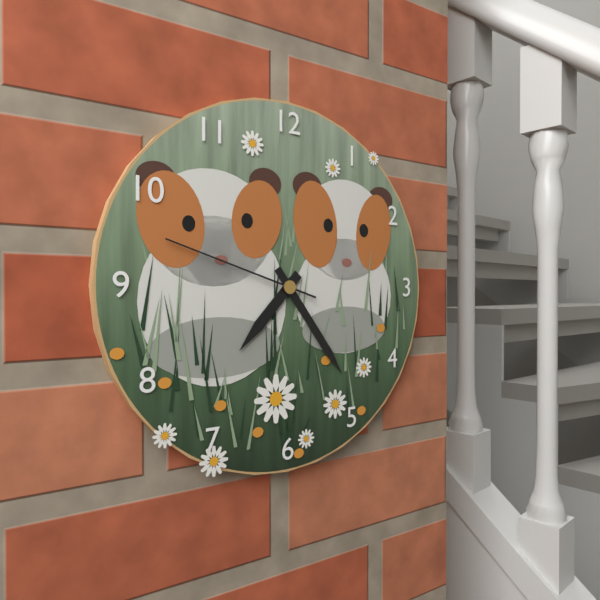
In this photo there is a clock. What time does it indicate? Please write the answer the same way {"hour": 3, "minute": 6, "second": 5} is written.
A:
{"hour": 7, "minute": 24, "second": 48}
